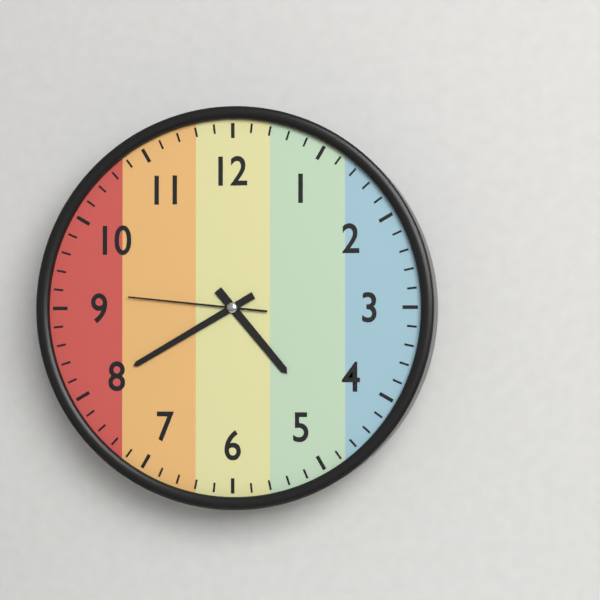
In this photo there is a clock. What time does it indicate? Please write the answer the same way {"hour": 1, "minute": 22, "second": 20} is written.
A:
{"hour": 4, "minute": 40, "second": 46}
